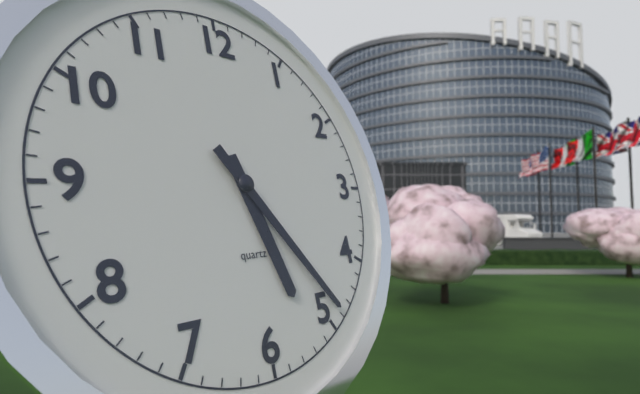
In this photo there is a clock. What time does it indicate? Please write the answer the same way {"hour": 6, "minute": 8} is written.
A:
{"hour": 5, "minute": 24}
